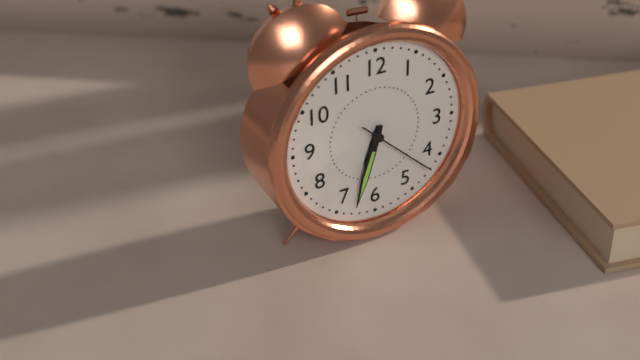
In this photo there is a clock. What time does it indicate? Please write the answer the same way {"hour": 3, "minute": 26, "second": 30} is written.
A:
{"hour": 6, "minute": 33, "second": 22}
